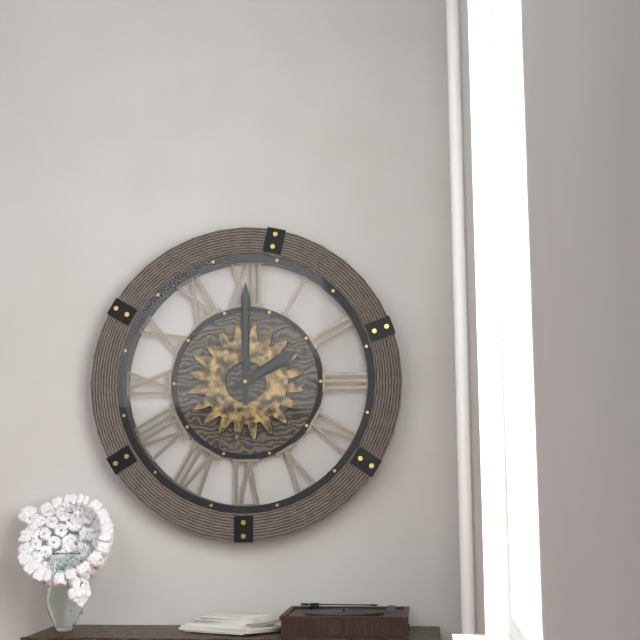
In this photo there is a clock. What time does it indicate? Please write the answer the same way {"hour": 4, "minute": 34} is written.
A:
{"hour": 2, "minute": 0}
